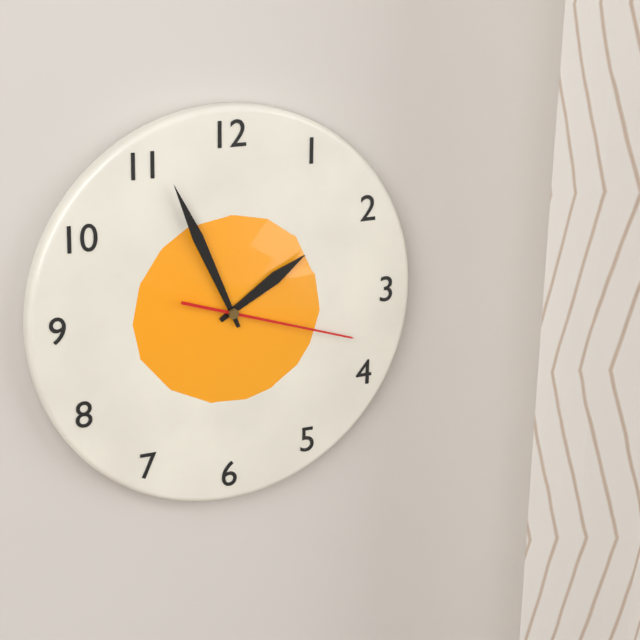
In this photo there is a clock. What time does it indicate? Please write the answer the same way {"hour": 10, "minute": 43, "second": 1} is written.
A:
{"hour": 1, "minute": 56, "second": 18}
